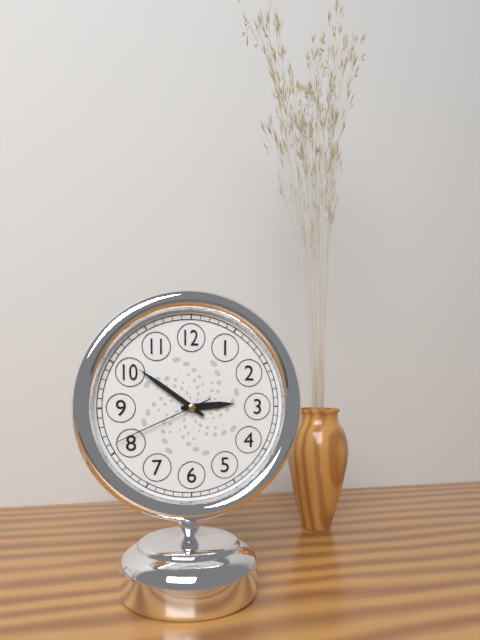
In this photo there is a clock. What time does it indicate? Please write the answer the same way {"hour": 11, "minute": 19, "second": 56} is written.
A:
{"hour": 2, "minute": 51, "second": 41}
